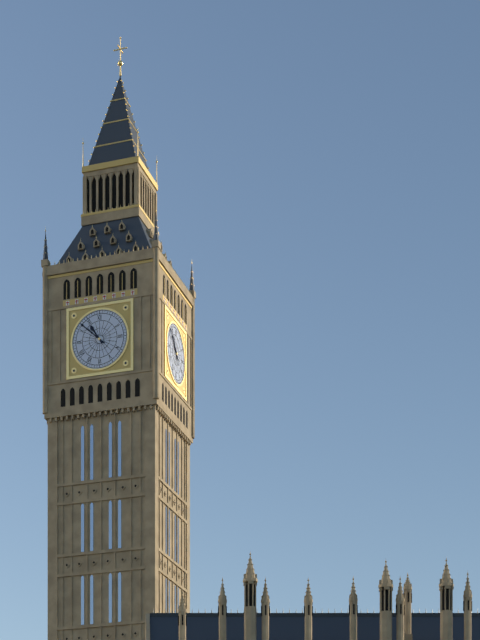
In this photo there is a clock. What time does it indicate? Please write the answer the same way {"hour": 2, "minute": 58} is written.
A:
{"hour": 10, "minute": 52}
